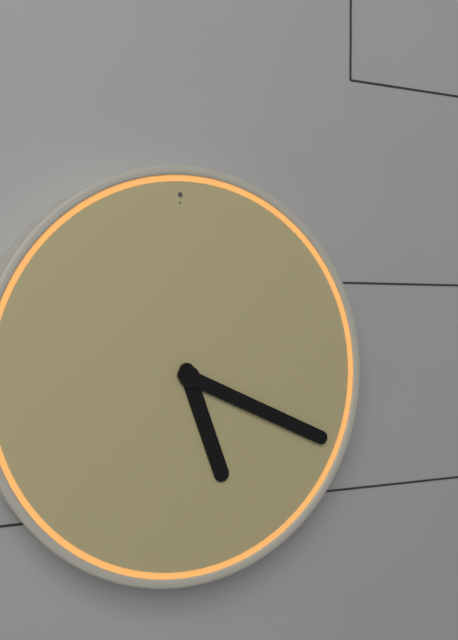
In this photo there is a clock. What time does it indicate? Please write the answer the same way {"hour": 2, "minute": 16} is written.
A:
{"hour": 5, "minute": 19}
